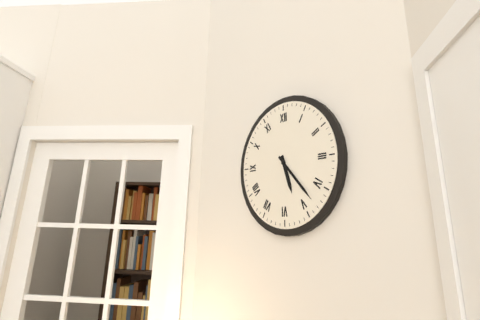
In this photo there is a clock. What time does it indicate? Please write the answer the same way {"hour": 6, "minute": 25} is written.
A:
{"hour": 5, "minute": 23}
